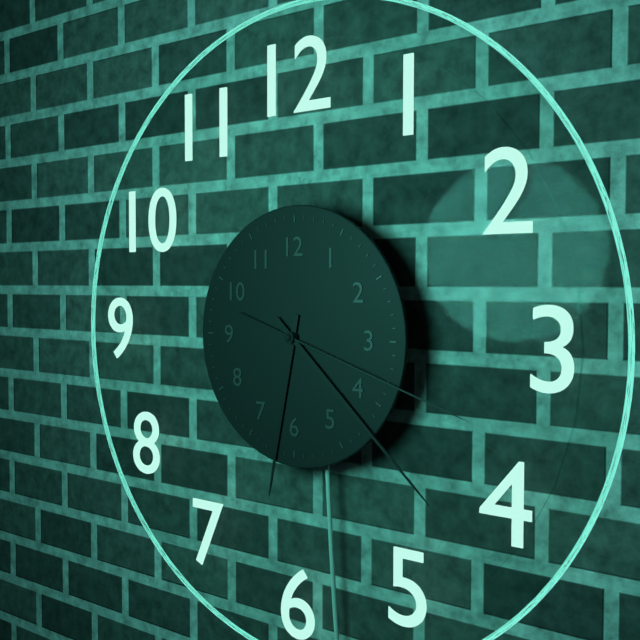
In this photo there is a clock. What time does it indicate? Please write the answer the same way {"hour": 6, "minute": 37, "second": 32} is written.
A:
{"hour": 6, "minute": 22, "second": 18}
